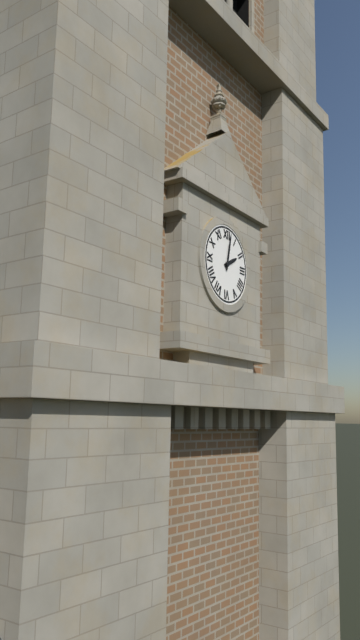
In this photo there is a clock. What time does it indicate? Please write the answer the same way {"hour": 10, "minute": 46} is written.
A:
{"hour": 2, "minute": 2}
